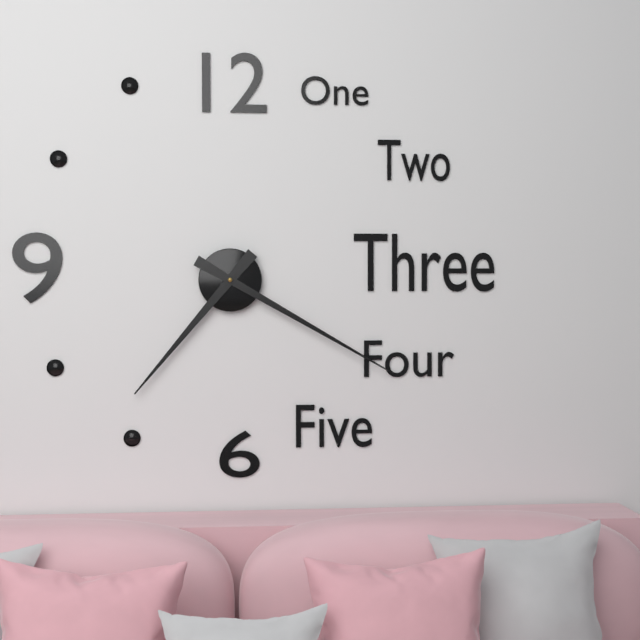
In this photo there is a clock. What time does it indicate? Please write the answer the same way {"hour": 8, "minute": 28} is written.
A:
{"hour": 7, "minute": 20}
